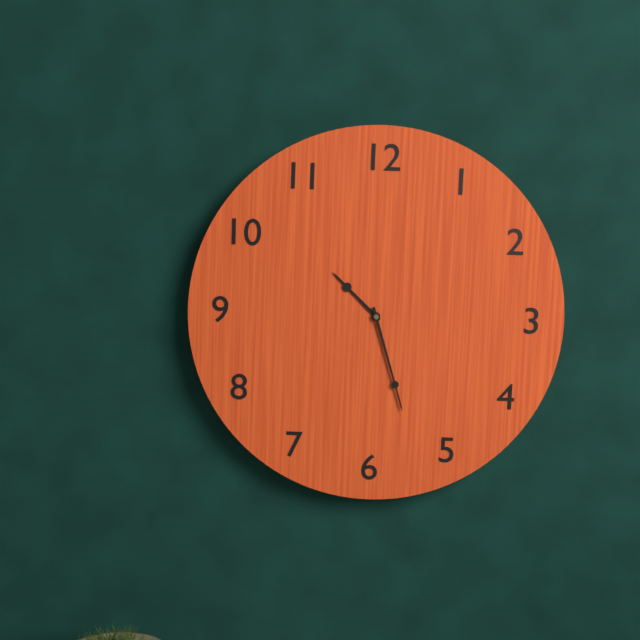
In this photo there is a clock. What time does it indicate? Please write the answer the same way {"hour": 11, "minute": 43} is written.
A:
{"hour": 10, "minute": 27}
